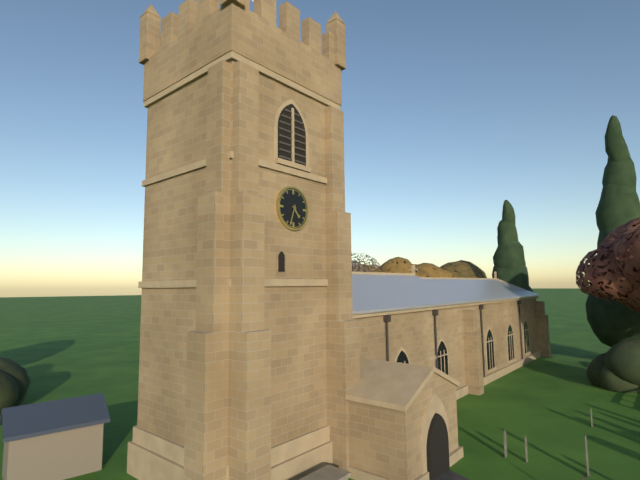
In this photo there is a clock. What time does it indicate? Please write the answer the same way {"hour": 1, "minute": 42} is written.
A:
{"hour": 4, "minute": 33}
